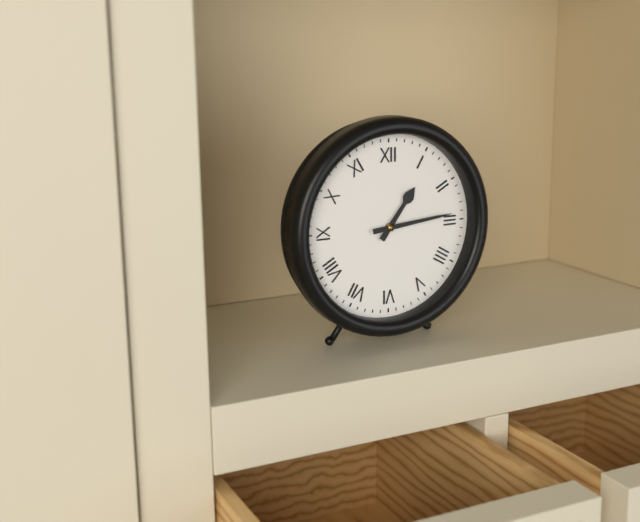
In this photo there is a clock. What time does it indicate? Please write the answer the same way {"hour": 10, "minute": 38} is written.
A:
{"hour": 1, "minute": 14}
